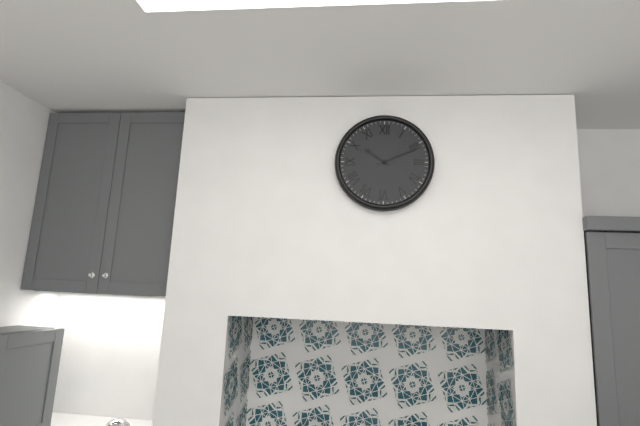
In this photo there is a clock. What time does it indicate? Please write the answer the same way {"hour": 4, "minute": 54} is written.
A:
{"hour": 10, "minute": 11}
